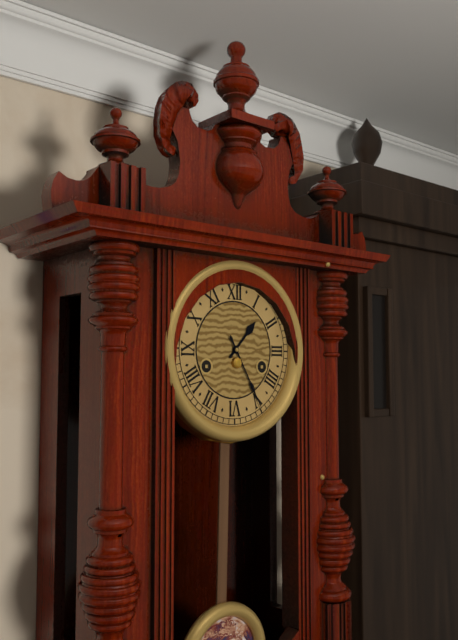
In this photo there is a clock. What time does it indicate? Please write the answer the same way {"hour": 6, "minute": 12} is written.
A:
{"hour": 1, "minute": 25}
